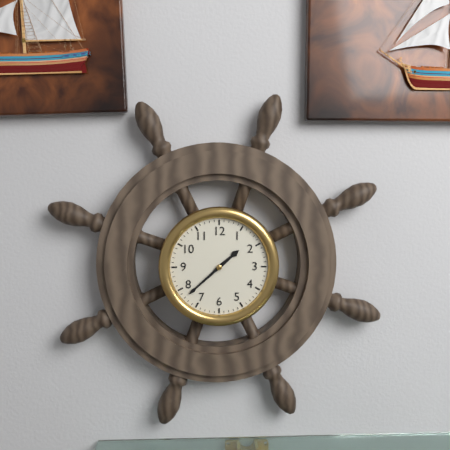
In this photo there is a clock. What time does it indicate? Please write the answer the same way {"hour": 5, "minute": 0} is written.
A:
{"hour": 1, "minute": 38}
